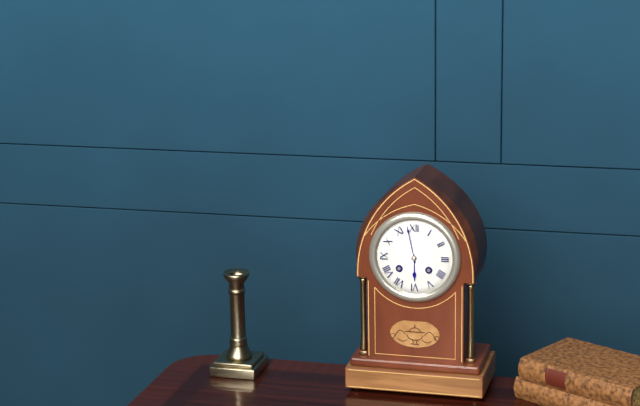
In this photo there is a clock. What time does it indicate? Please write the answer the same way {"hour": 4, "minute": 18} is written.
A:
{"hour": 5, "minute": 58}
